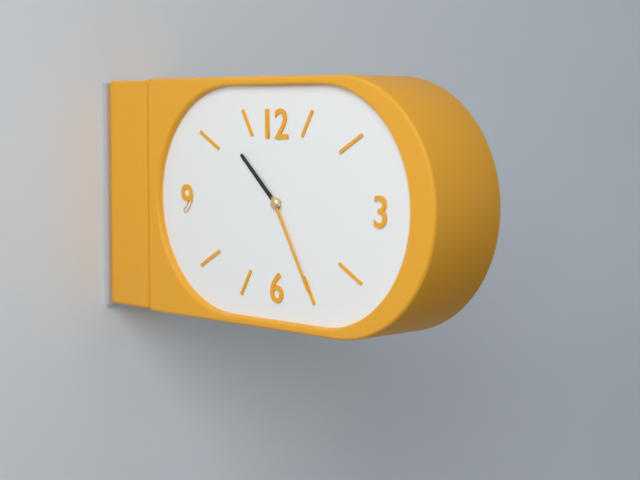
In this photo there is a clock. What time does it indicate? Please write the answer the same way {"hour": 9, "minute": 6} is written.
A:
{"hour": 10, "minute": 25}
